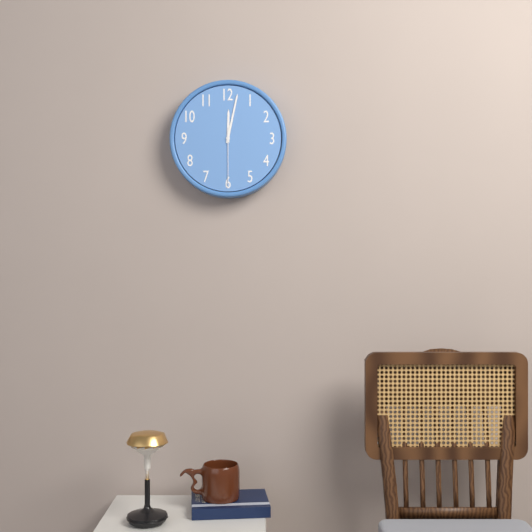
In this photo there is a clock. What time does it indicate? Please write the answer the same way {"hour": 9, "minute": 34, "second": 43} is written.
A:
{"hour": 12, "minute": 2, "second": 30}
